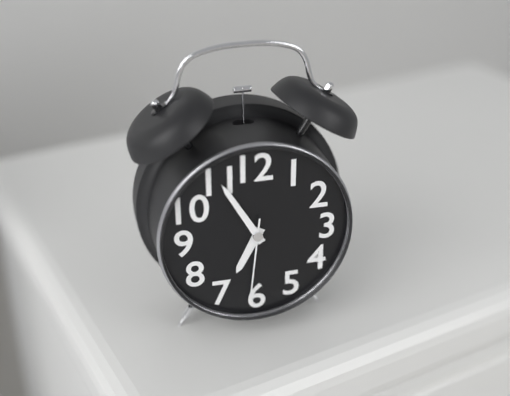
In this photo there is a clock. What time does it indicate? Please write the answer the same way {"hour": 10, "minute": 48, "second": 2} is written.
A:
{"hour": 6, "minute": 55, "second": 31}
